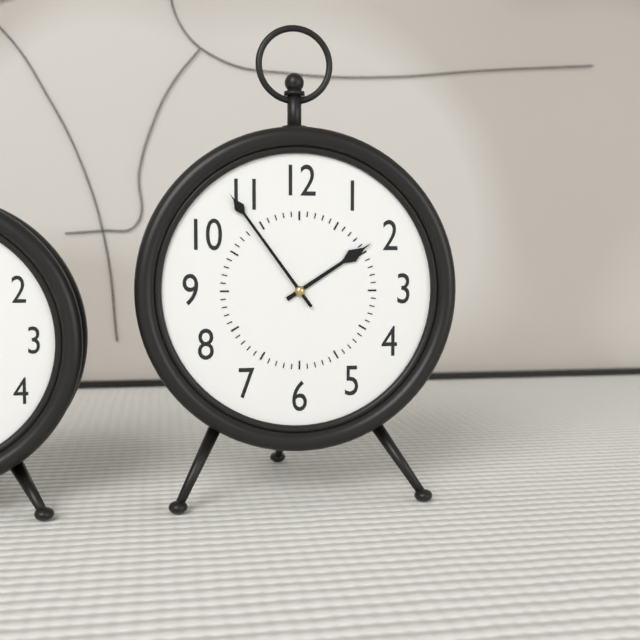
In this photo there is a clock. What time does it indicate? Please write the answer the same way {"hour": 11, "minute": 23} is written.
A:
{"hour": 1, "minute": 54}
